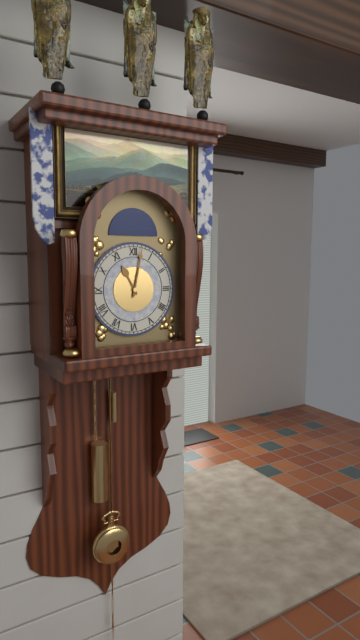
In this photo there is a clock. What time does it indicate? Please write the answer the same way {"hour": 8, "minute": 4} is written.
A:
{"hour": 11, "minute": 2}
